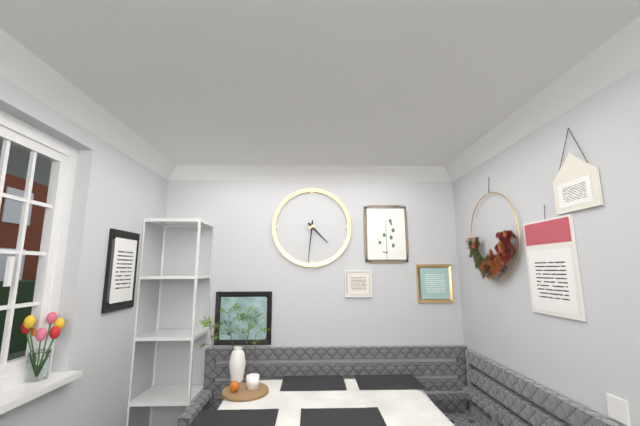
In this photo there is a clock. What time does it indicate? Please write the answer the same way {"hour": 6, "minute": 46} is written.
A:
{"hour": 4, "minute": 31}
